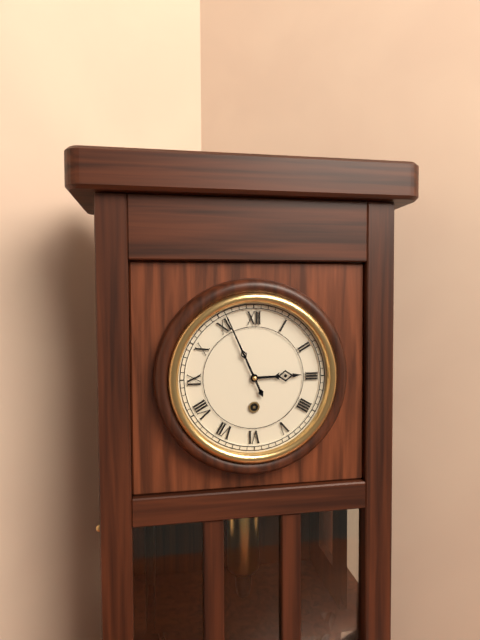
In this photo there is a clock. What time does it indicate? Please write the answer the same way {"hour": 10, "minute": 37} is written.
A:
{"hour": 2, "minute": 56}
